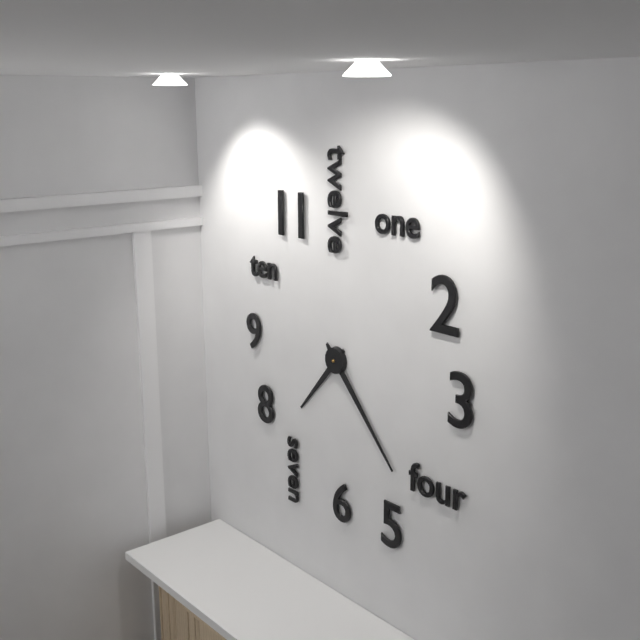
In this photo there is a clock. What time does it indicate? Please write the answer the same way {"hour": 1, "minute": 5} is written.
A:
{"hour": 7, "minute": 23}
